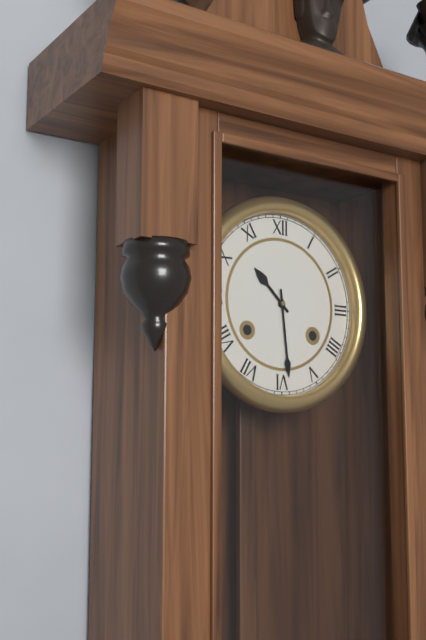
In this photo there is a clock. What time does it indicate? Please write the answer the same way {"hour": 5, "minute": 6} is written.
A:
{"hour": 10, "minute": 29}
